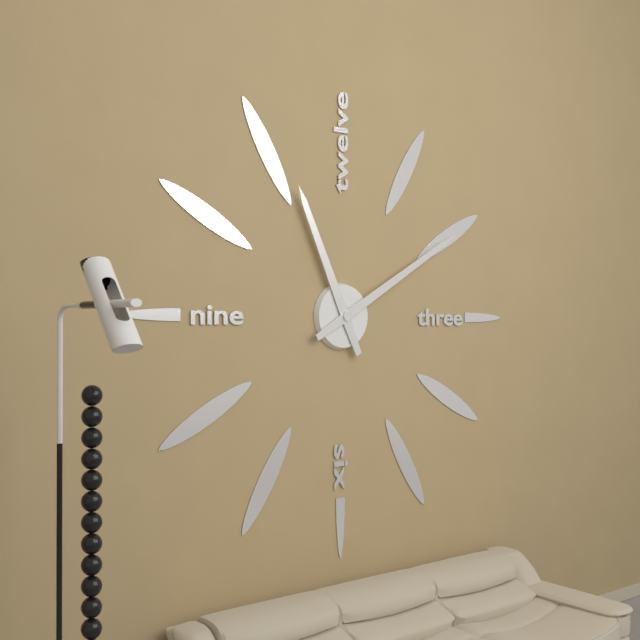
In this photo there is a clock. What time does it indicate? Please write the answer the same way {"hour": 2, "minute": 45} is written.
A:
{"hour": 11, "minute": 10}
